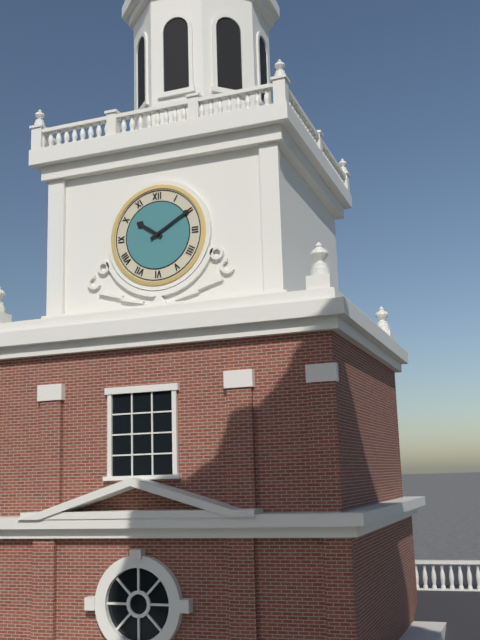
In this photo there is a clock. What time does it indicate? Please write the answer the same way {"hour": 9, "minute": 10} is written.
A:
{"hour": 10, "minute": 10}
